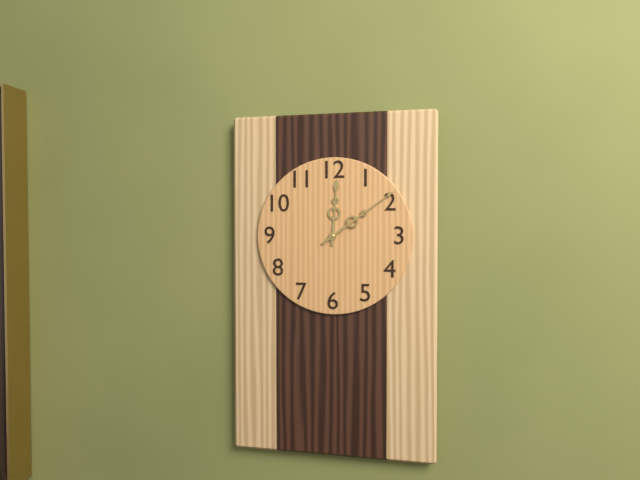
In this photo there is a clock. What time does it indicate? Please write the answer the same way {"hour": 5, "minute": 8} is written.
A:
{"hour": 12, "minute": 9}
